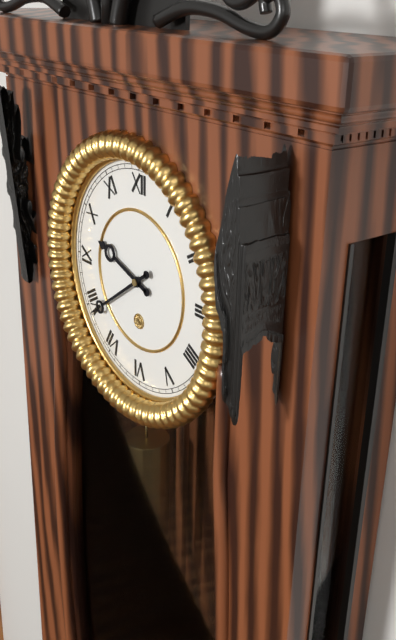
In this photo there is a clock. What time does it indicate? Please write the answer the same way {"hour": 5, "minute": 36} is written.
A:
{"hour": 9, "minute": 39}
